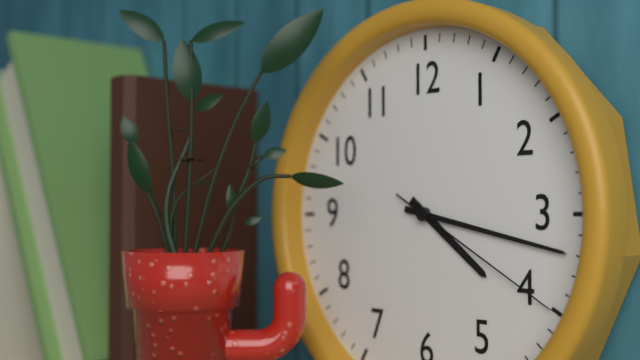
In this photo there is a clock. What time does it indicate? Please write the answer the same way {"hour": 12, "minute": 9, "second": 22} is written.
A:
{"hour": 4, "minute": 17, "second": 20}
